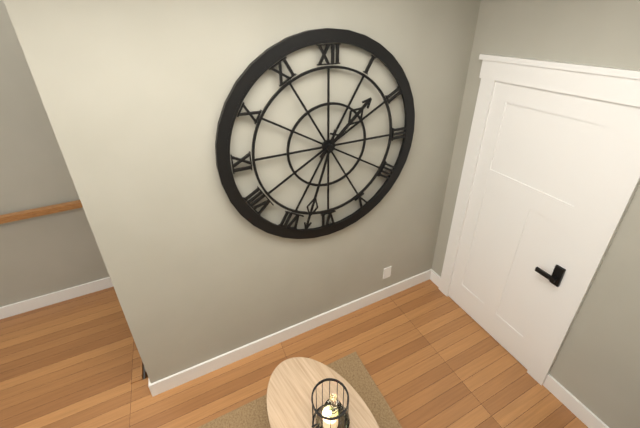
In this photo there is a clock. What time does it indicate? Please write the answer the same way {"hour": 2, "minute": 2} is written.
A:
{"hour": 1, "minute": 33}
